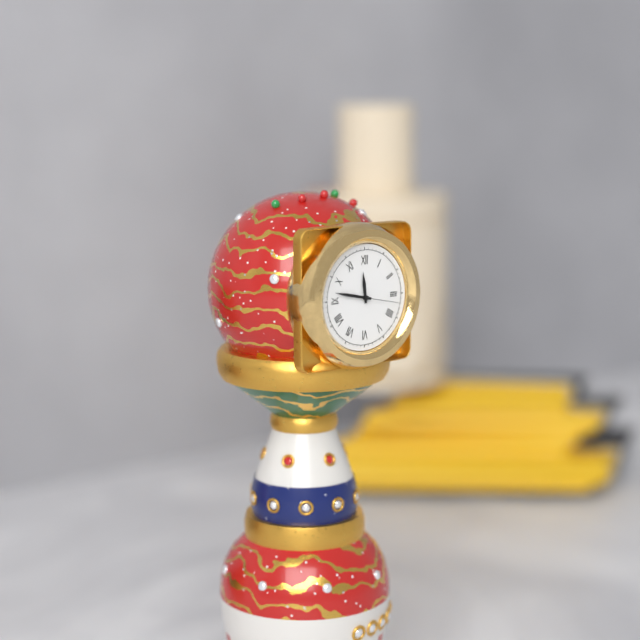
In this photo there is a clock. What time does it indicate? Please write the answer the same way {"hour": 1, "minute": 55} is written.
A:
{"hour": 11, "minute": 47}
